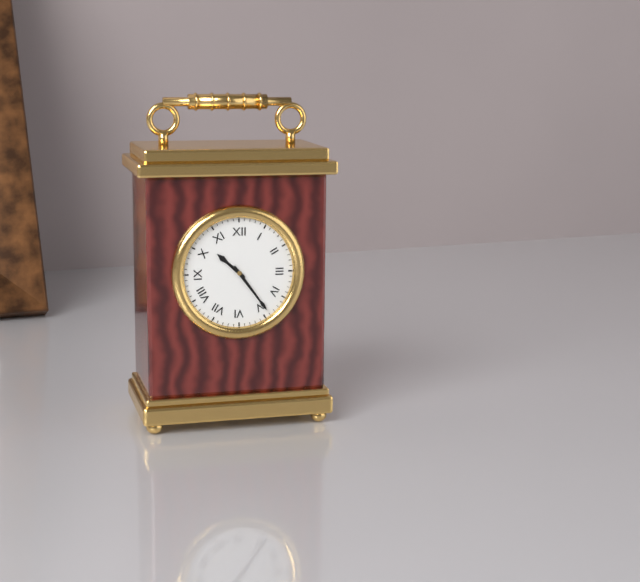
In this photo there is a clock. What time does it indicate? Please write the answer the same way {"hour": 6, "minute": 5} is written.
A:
{"hour": 10, "minute": 24}
